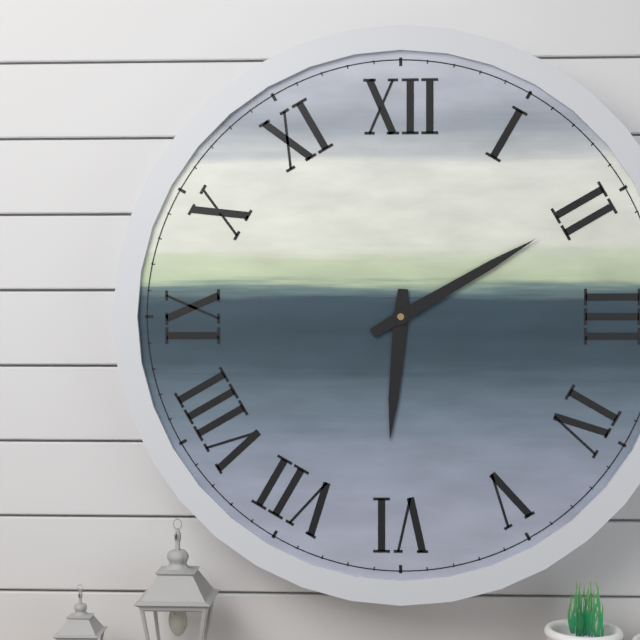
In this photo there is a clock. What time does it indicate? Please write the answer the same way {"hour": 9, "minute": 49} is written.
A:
{"hour": 6, "minute": 10}
